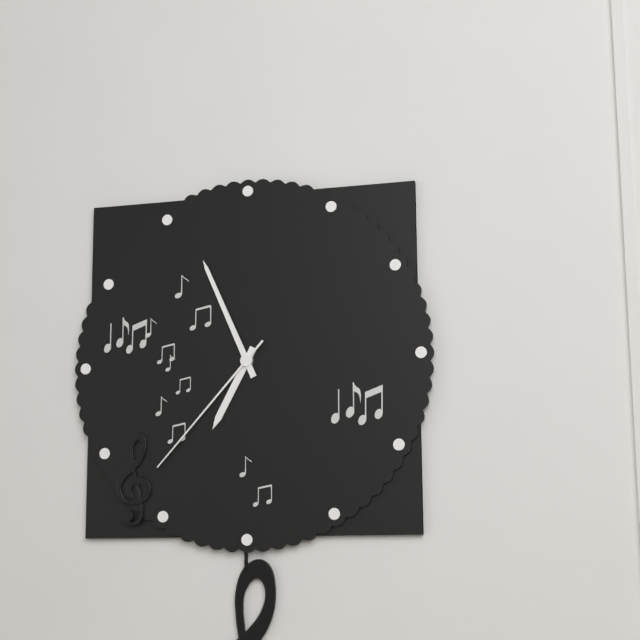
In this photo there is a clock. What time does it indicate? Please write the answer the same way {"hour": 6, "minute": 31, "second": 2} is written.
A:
{"hour": 6, "minute": 56, "second": 37}
